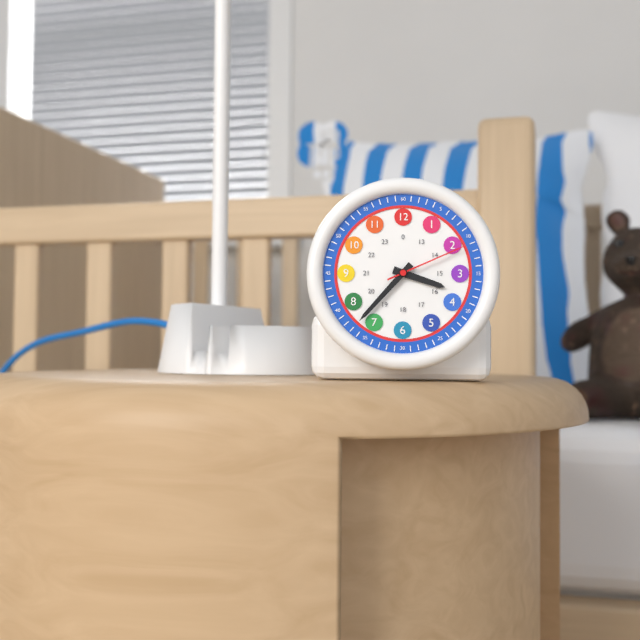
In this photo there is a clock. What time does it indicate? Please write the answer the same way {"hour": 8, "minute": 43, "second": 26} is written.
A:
{"hour": 3, "minute": 37, "second": 11}
